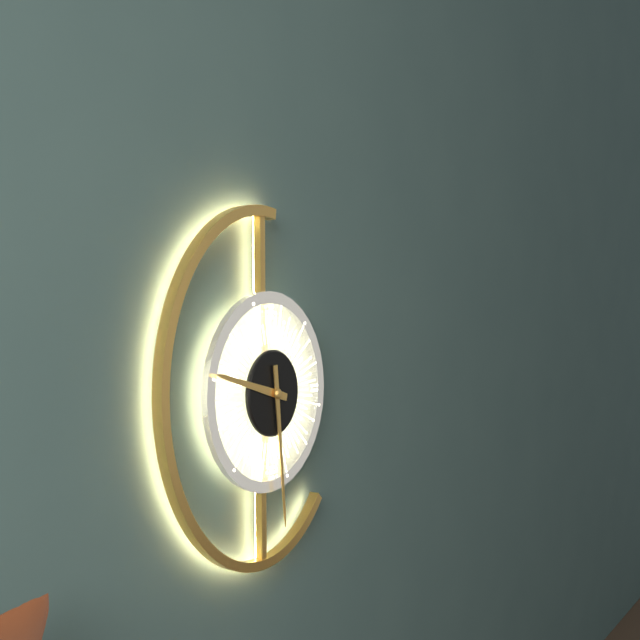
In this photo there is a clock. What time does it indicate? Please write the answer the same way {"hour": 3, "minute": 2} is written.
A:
{"hour": 9, "minute": 29}
